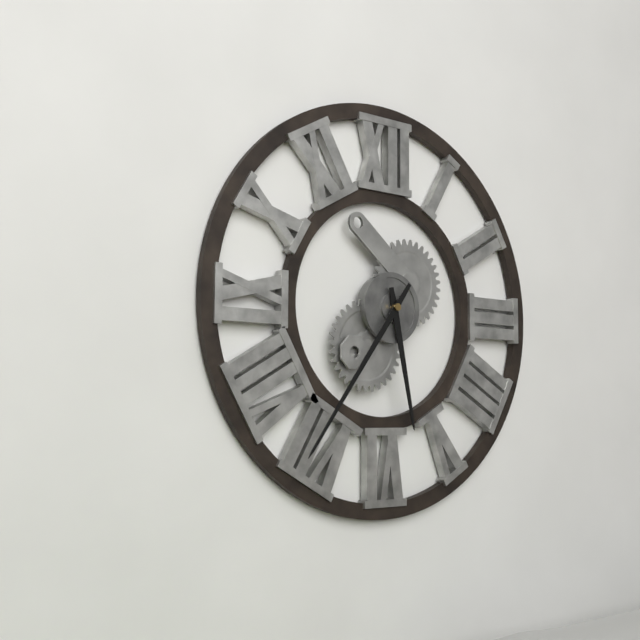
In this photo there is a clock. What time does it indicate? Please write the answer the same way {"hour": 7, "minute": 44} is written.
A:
{"hour": 5, "minute": 36}
